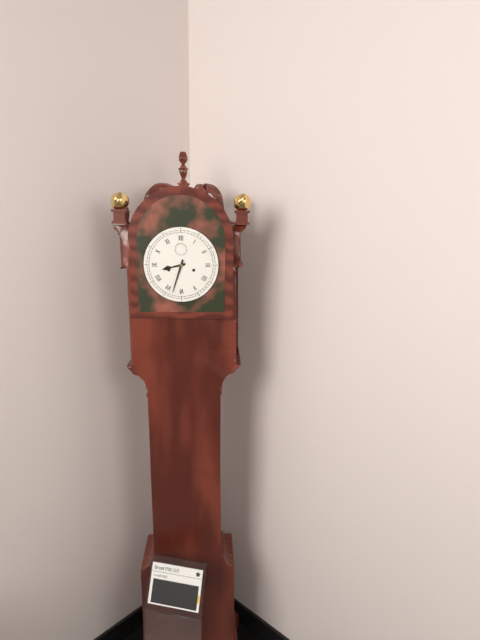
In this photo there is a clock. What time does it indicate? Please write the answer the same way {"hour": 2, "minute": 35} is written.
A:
{"hour": 8, "minute": 33}
